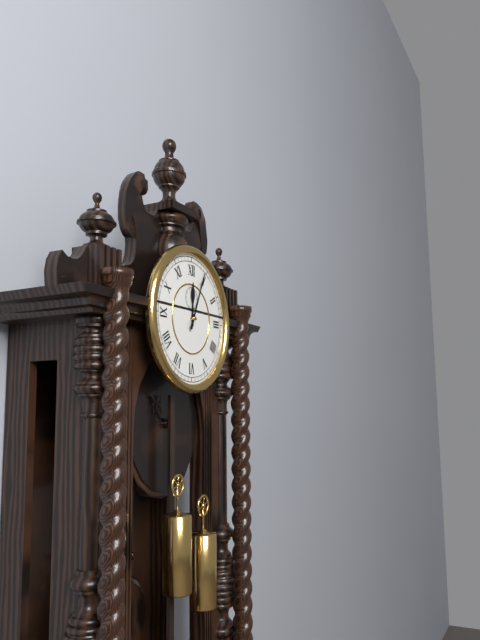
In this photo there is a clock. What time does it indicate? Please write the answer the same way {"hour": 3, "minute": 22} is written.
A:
{"hour": 12, "minute": 4}
